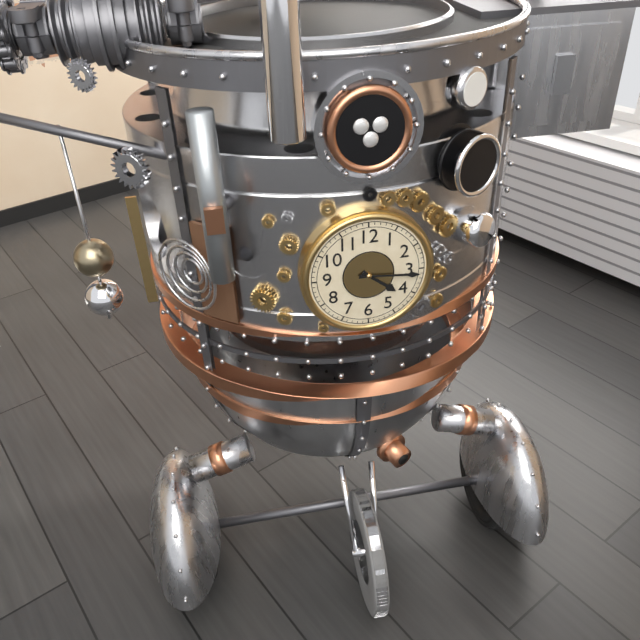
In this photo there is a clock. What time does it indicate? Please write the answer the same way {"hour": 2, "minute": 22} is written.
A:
{"hour": 4, "minute": 16}
